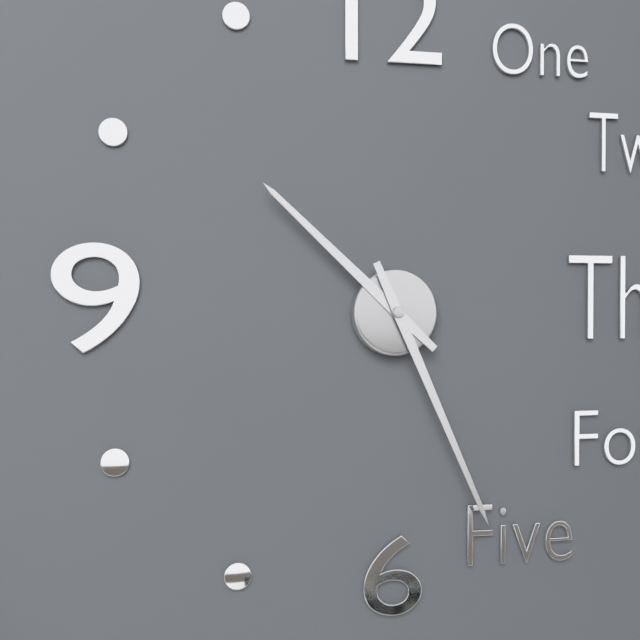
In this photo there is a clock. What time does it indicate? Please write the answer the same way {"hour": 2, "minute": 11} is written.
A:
{"hour": 10, "minute": 26}
